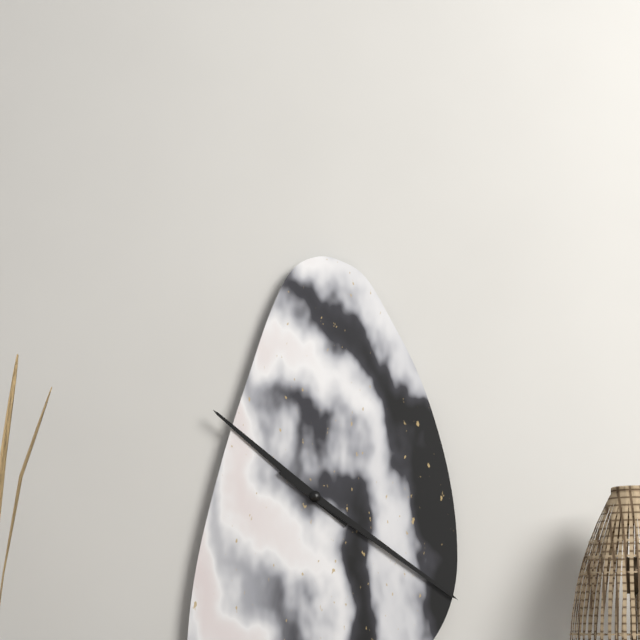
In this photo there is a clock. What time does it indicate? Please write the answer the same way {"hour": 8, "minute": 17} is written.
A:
{"hour": 10, "minute": 21}
